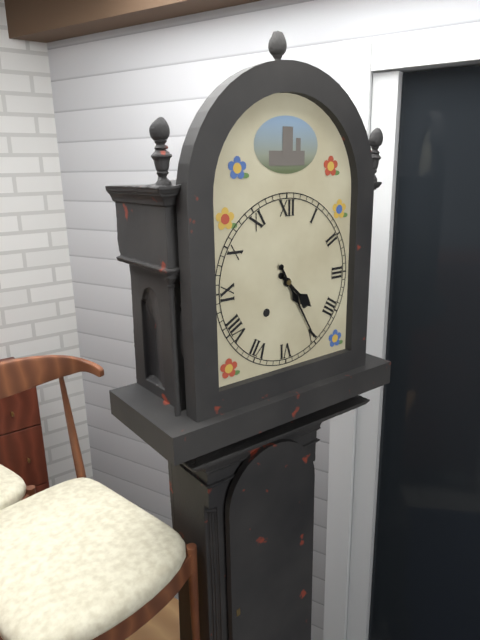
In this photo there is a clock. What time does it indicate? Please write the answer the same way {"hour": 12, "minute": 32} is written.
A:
{"hour": 4, "minute": 25}
